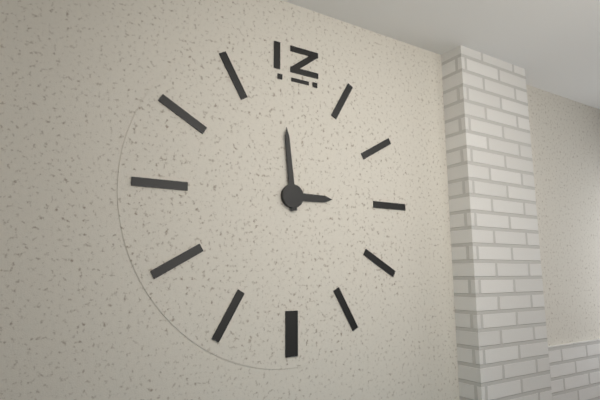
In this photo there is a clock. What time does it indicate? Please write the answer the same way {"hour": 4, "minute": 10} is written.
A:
{"hour": 2, "minute": 59}
